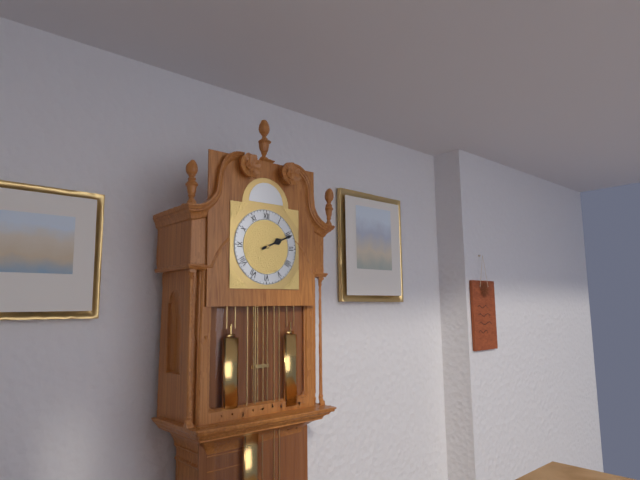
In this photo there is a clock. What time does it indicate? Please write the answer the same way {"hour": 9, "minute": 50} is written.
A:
{"hour": 2, "minute": 11}
